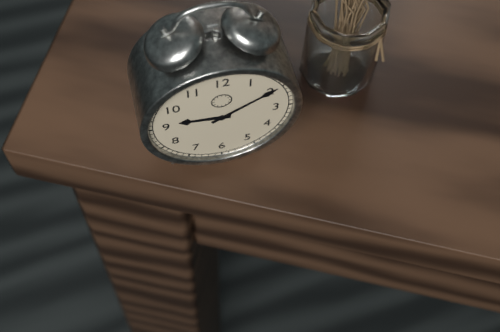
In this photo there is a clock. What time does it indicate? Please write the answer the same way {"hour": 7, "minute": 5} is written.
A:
{"hour": 9, "minute": 10}
